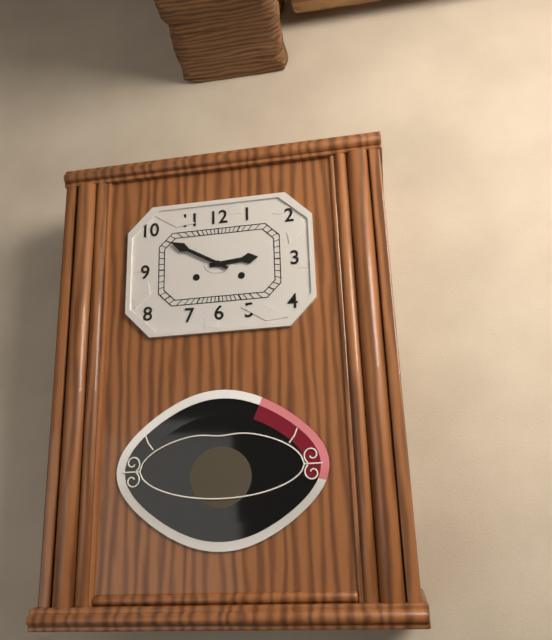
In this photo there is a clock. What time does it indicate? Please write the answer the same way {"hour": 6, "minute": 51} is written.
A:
{"hour": 2, "minute": 50}
